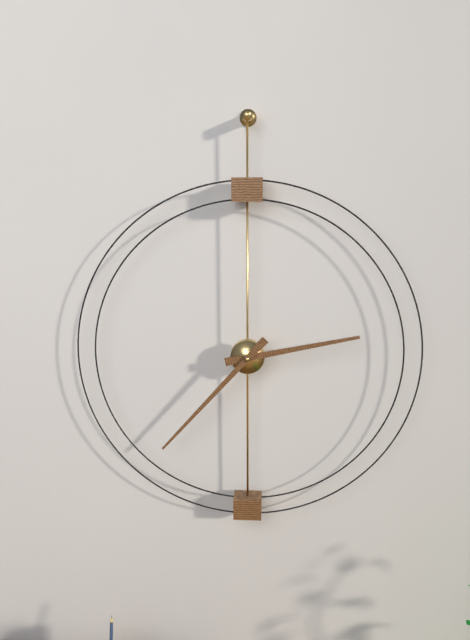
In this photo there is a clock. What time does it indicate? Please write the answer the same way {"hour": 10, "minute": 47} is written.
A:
{"hour": 2, "minute": 37}
